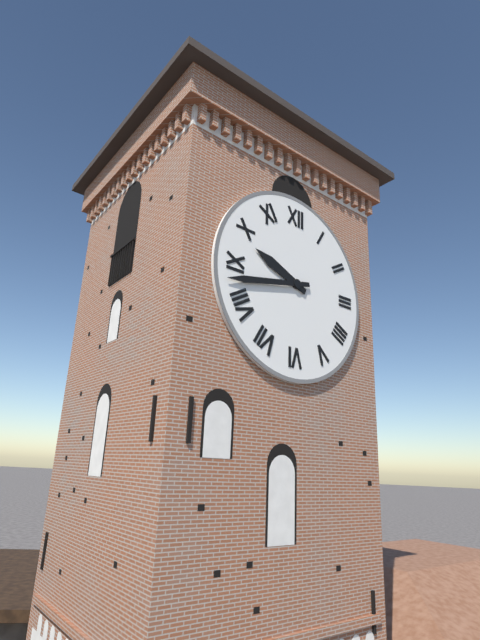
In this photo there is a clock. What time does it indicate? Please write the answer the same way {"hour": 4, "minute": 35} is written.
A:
{"hour": 9, "minute": 43}
